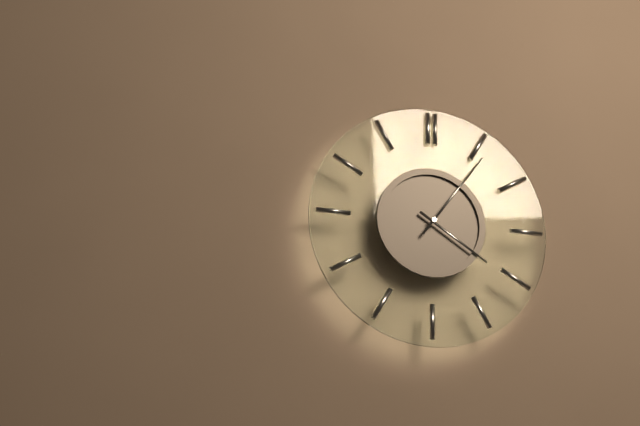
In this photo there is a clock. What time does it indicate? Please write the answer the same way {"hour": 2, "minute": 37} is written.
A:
{"hour": 4, "minute": 6}
